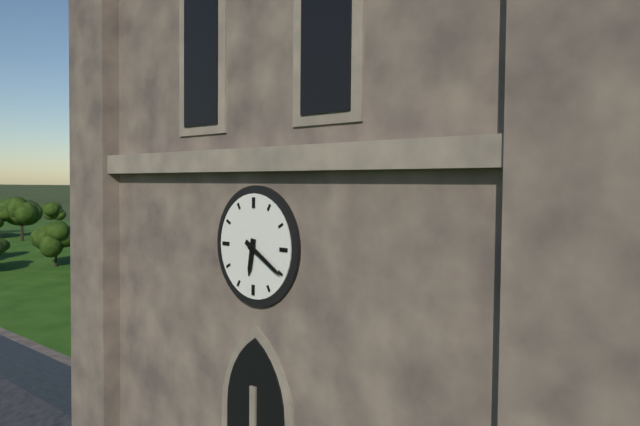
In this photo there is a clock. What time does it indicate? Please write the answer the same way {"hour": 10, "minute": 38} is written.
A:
{"hour": 6, "minute": 20}
